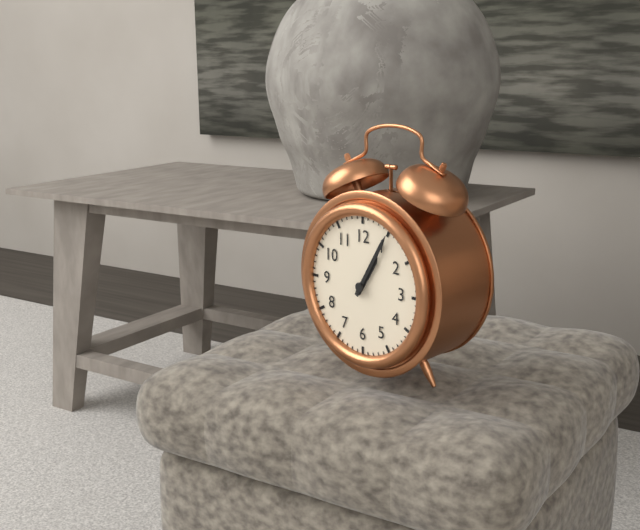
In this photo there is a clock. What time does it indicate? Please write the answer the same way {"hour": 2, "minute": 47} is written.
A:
{"hour": 1, "minute": 5}
